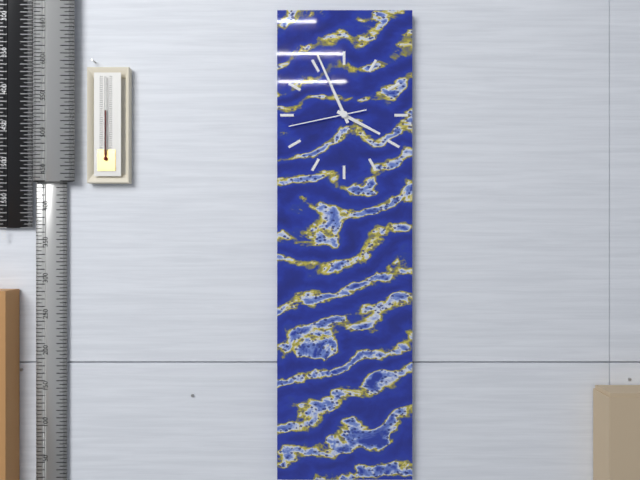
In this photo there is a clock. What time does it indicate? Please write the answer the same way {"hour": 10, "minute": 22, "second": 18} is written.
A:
{"hour": 3, "minute": 56, "second": 43}
